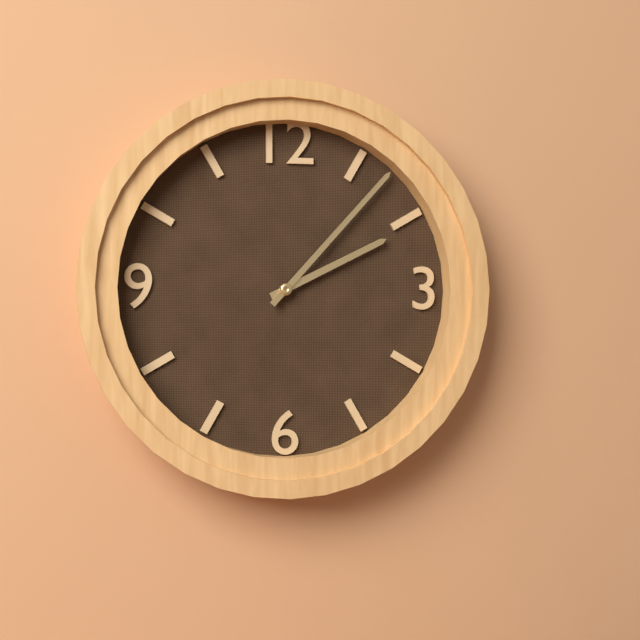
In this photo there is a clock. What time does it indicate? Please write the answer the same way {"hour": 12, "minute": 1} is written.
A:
{"hour": 2, "minute": 7}
